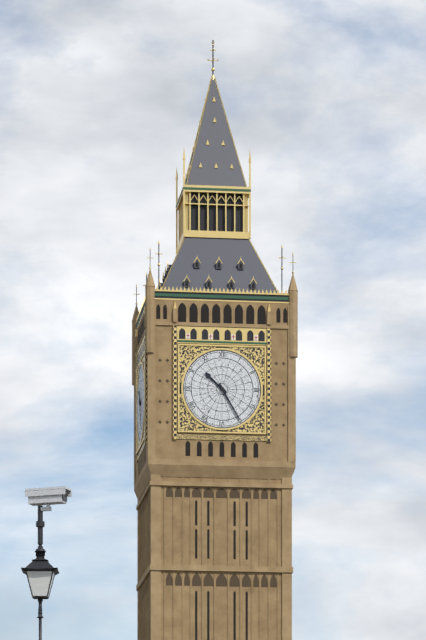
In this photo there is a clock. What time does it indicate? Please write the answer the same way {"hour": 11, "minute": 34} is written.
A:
{"hour": 10, "minute": 25}
